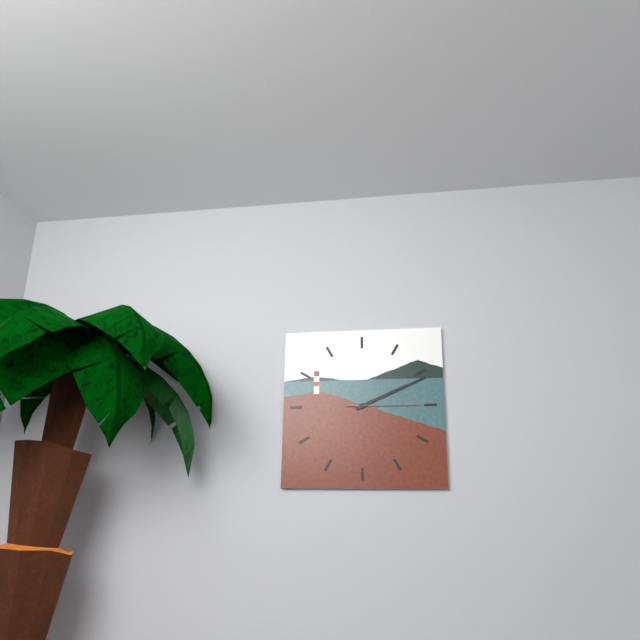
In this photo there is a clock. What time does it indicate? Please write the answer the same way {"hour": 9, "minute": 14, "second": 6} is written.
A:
{"hour": 2, "minute": 11, "second": 15}
